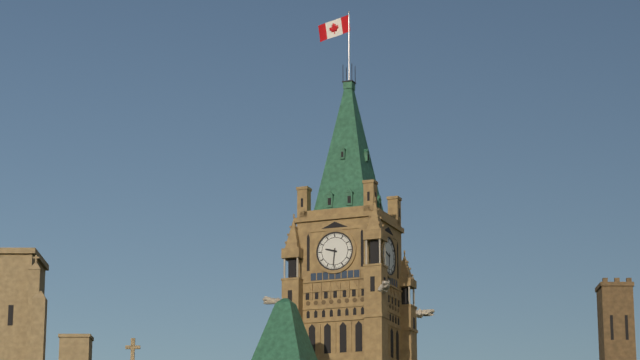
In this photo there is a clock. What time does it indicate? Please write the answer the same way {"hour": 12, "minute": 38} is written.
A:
{"hour": 9, "minute": 31}
